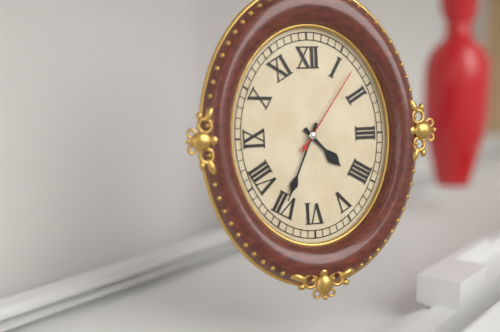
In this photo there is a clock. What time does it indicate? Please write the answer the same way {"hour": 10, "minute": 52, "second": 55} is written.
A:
{"hour": 4, "minute": 34, "second": 6}
